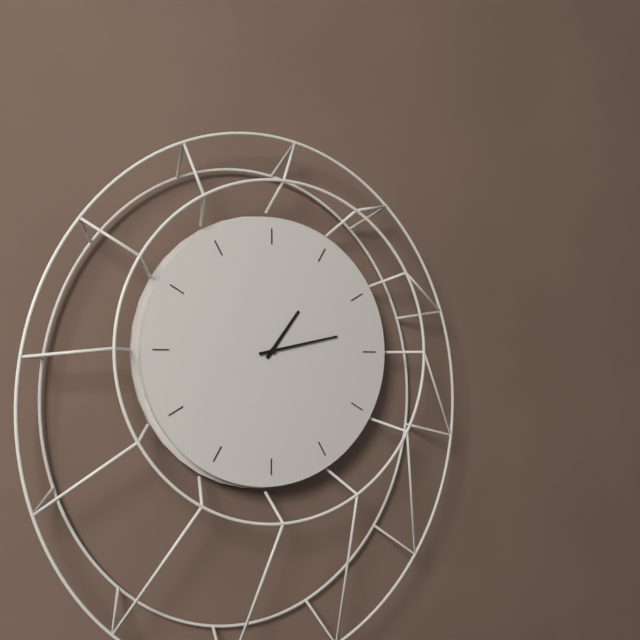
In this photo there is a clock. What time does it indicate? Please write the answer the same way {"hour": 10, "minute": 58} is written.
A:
{"hour": 1, "minute": 13}
